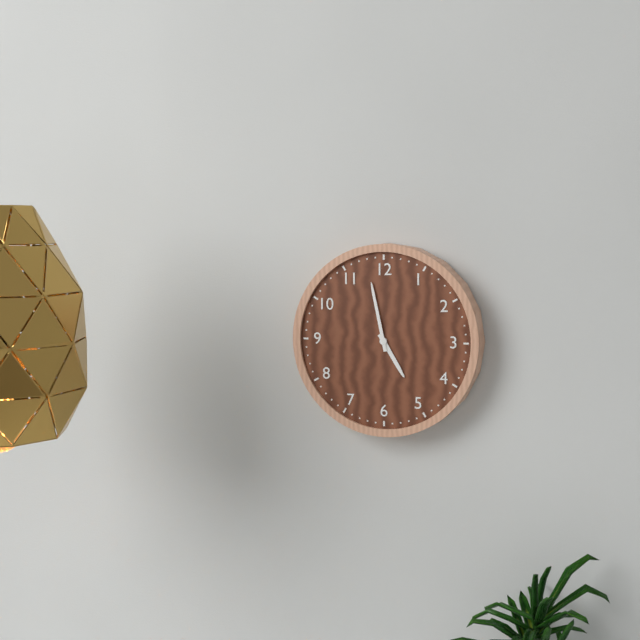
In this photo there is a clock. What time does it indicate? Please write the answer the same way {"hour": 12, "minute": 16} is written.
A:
{"hour": 4, "minute": 58}
